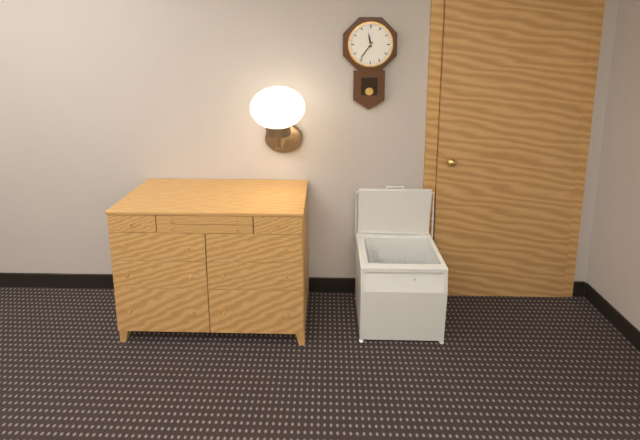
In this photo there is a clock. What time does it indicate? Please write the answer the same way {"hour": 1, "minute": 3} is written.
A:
{"hour": 11, "minute": 36}
